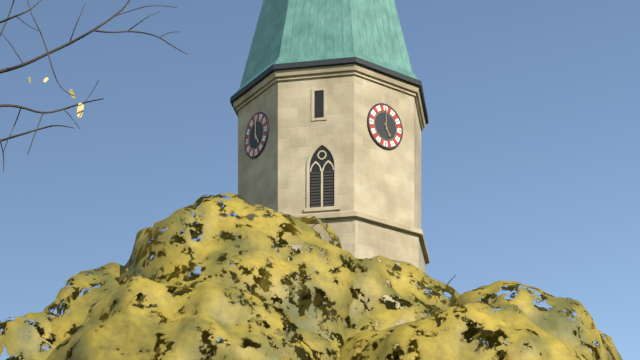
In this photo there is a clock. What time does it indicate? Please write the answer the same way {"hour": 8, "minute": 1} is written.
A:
{"hour": 5, "minute": 0}
